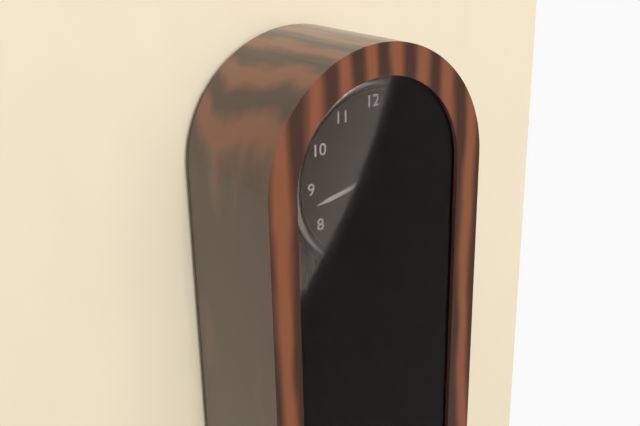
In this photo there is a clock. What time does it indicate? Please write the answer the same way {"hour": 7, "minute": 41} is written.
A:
{"hour": 1, "minute": 43}
